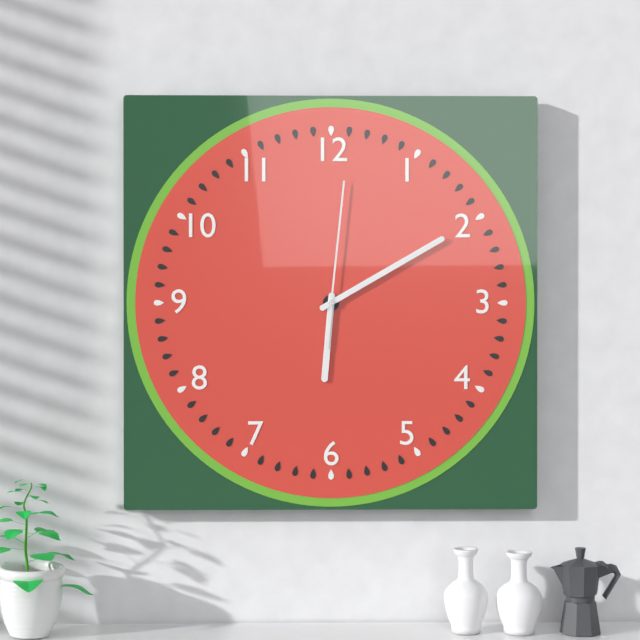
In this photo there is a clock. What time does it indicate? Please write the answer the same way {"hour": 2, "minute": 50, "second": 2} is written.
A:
{"hour": 6, "minute": 10, "second": 1}
